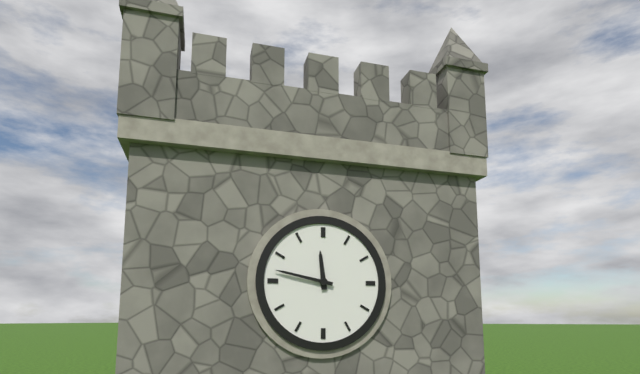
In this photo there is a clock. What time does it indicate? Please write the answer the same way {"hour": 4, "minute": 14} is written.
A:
{"hour": 11, "minute": 47}
